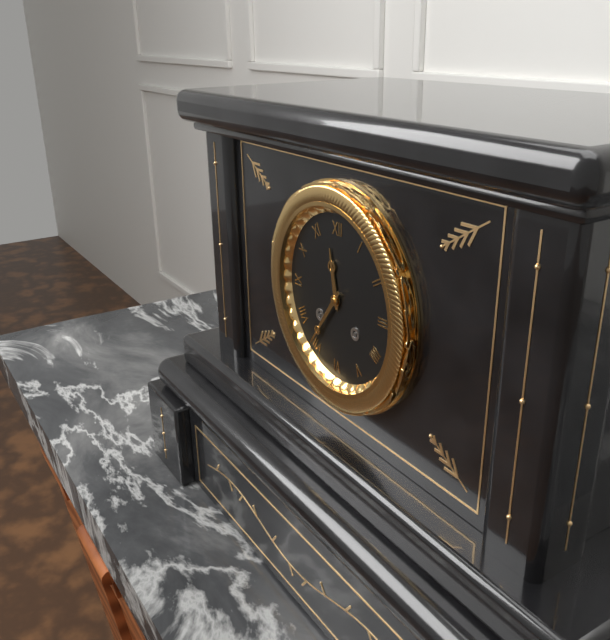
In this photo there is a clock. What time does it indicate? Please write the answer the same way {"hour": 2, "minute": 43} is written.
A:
{"hour": 11, "minute": 36}
